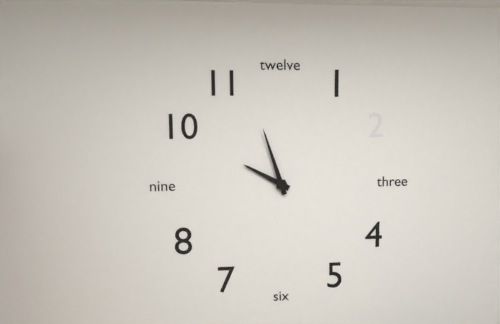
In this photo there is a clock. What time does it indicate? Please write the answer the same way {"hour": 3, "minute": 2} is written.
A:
{"hour": 9, "minute": 57}
